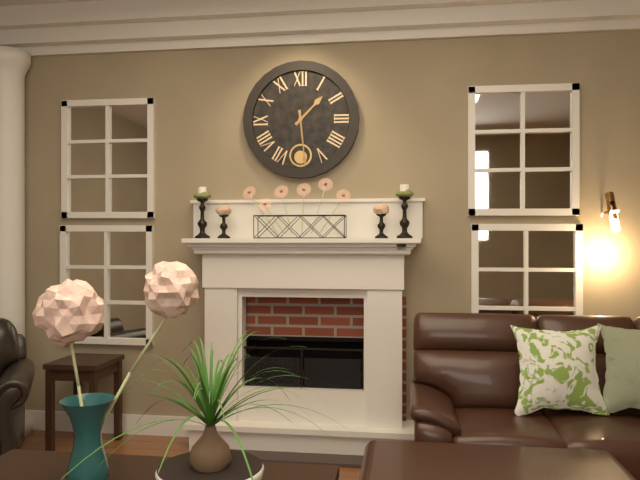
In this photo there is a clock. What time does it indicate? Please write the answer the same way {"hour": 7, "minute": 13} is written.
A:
{"hour": 1, "minute": 29}
